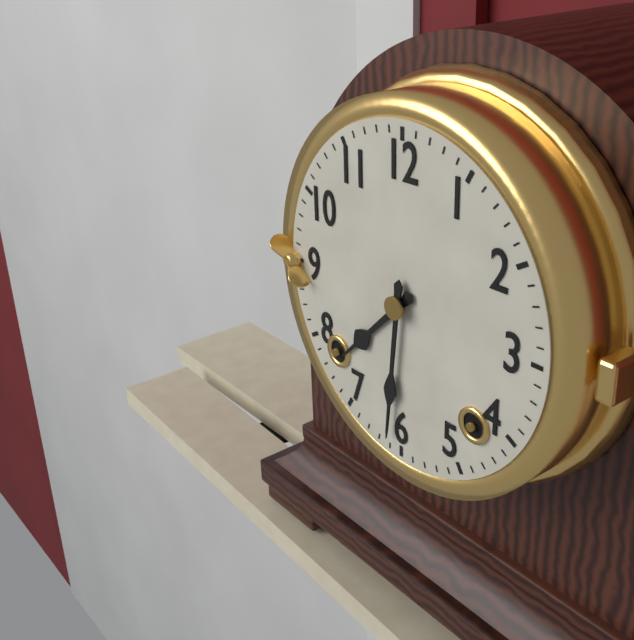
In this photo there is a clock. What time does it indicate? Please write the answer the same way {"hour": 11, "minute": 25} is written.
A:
{"hour": 7, "minute": 31}
